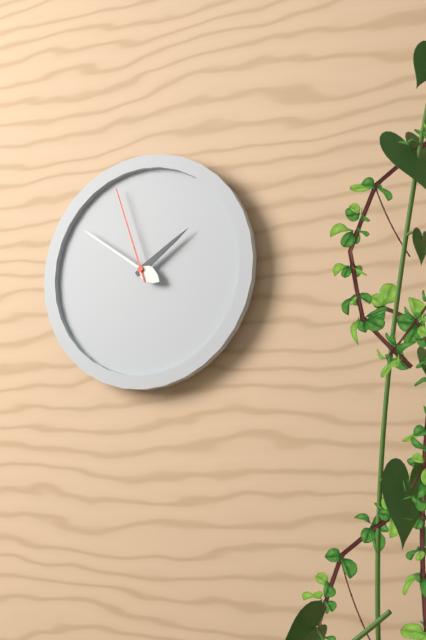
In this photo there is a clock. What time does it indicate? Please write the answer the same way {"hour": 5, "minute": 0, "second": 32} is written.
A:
{"hour": 1, "minute": 51, "second": 57}
